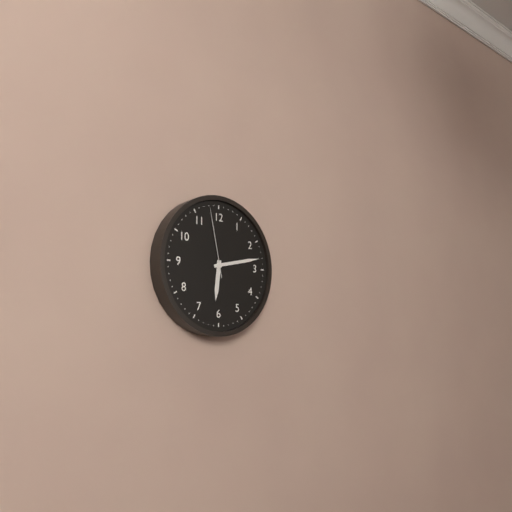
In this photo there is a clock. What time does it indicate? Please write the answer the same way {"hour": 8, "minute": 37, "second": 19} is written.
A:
{"hour": 6, "minute": 13, "second": 58}
